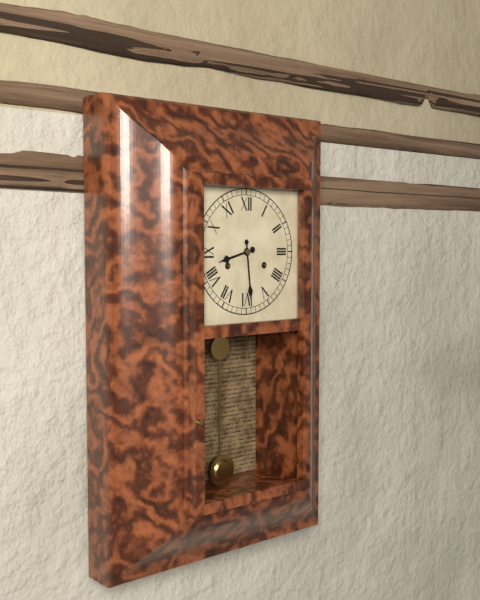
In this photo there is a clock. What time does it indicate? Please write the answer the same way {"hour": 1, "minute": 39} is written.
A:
{"hour": 8, "minute": 29}
